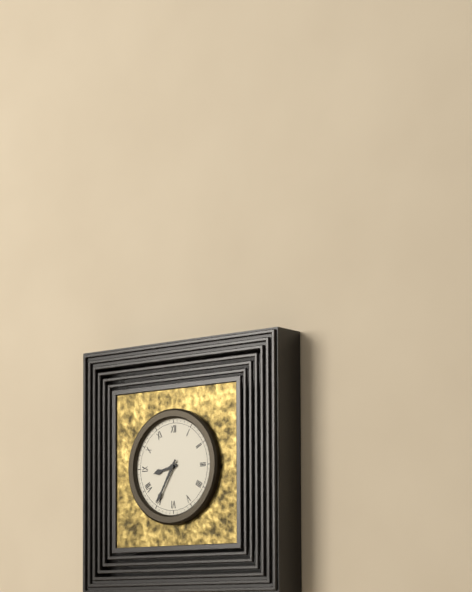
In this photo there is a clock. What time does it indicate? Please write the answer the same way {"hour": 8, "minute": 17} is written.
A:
{"hour": 8, "minute": 35}
